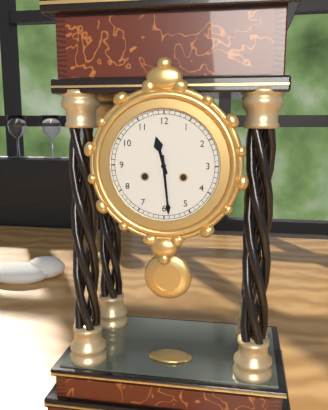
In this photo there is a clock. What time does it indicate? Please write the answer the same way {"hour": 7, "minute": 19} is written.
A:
{"hour": 11, "minute": 29}
